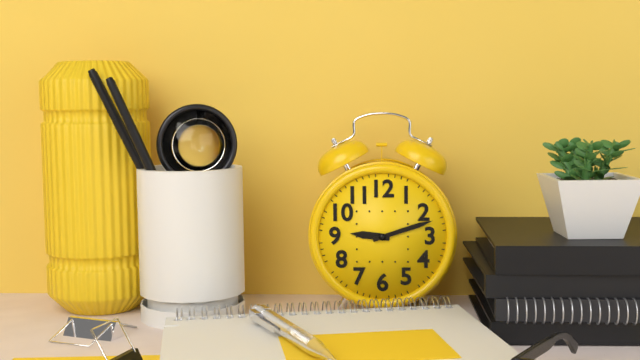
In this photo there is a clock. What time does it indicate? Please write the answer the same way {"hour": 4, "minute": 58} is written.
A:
{"hour": 9, "minute": 12}
